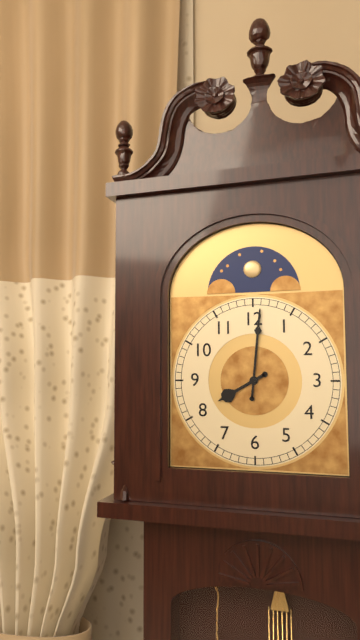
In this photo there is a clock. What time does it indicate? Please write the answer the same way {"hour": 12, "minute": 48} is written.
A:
{"hour": 8, "minute": 1}
